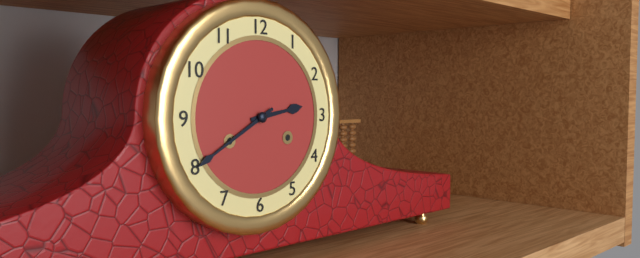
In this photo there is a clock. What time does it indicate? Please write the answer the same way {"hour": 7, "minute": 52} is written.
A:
{"hour": 2, "minute": 40}
